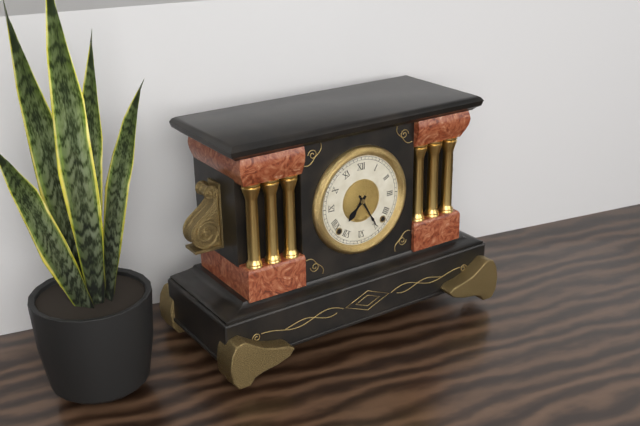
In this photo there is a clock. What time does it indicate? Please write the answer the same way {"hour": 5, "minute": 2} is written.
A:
{"hour": 7, "minute": 25}
